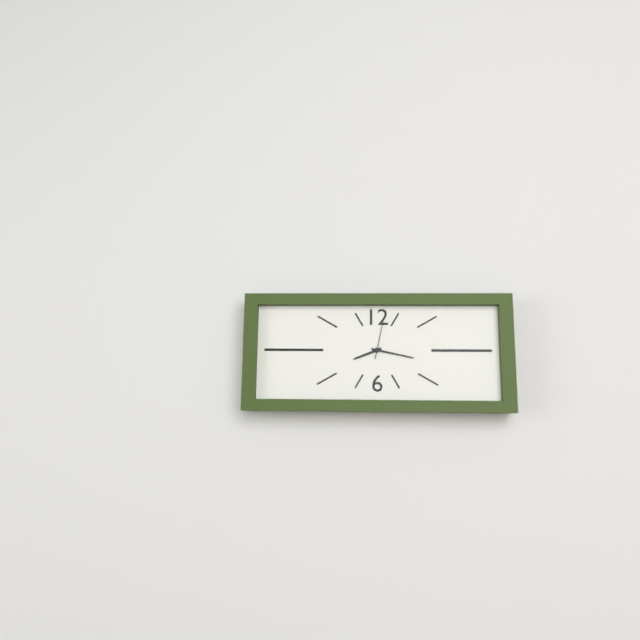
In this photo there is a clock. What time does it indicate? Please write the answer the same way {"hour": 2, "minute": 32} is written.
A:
{"hour": 8, "minute": 17}
